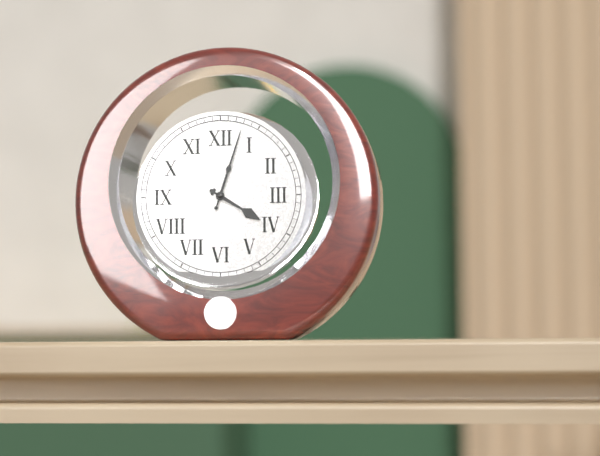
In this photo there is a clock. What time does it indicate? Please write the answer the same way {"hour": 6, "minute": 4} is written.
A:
{"hour": 4, "minute": 3}
